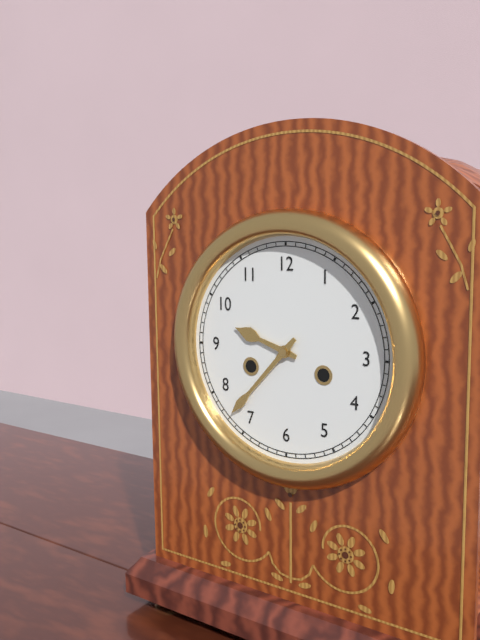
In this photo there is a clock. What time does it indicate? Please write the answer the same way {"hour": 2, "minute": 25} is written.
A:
{"hour": 9, "minute": 37}
